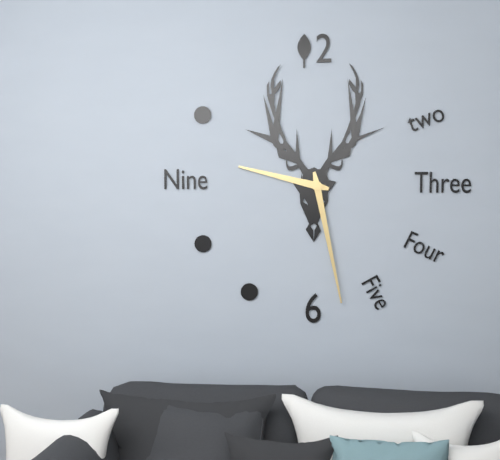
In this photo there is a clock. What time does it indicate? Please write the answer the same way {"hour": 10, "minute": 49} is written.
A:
{"hour": 9, "minute": 28}
